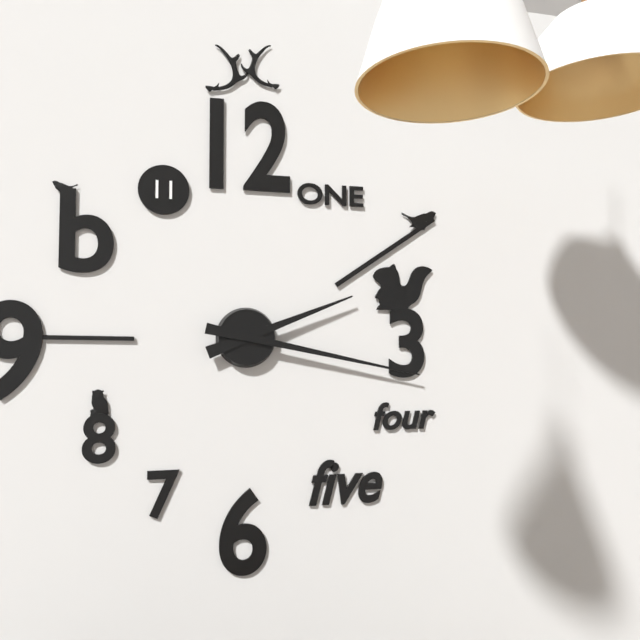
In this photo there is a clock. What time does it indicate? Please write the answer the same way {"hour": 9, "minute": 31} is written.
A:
{"hour": 2, "minute": 17}
